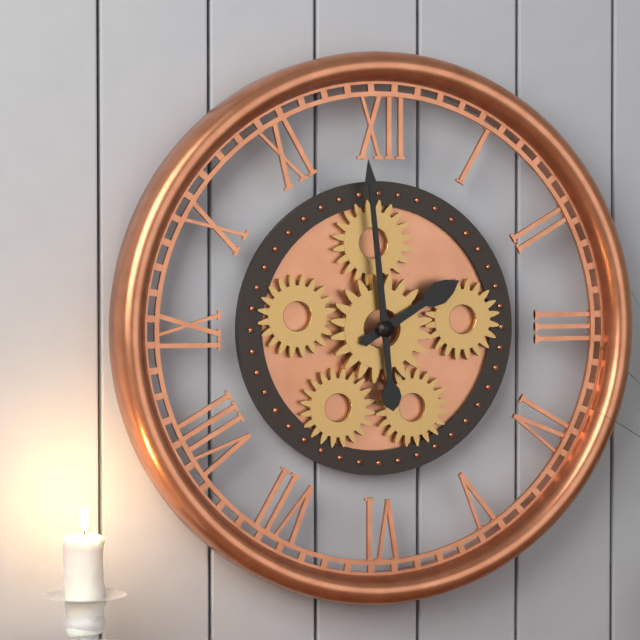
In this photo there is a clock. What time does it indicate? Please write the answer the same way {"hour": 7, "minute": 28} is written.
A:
{"hour": 1, "minute": 59}
